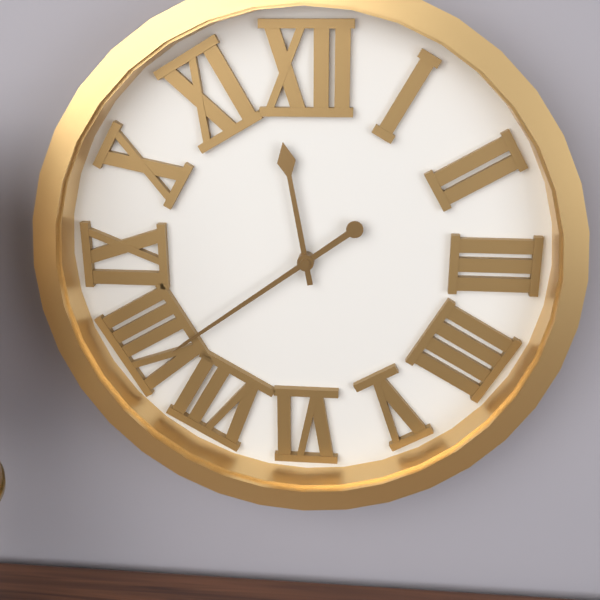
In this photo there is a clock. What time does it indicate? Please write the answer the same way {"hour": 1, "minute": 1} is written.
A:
{"hour": 11, "minute": 39}
